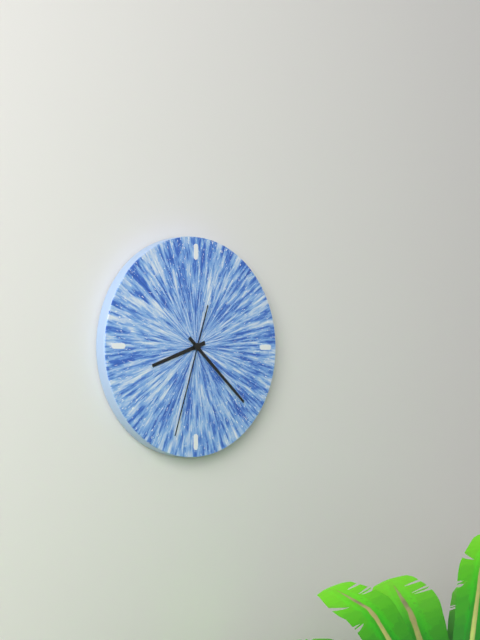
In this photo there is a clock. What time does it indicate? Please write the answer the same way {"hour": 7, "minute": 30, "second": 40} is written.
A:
{"hour": 8, "minute": 22, "second": 33}
